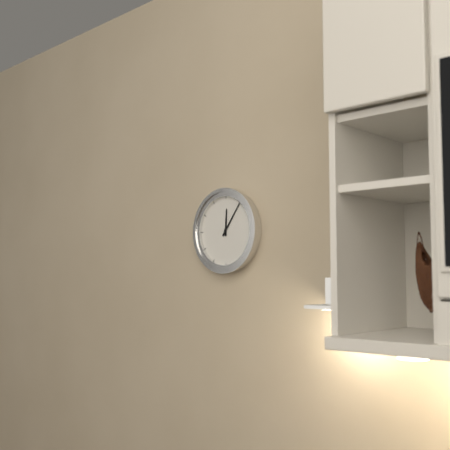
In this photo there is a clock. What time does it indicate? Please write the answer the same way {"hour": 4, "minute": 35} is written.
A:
{"hour": 12, "minute": 6}
